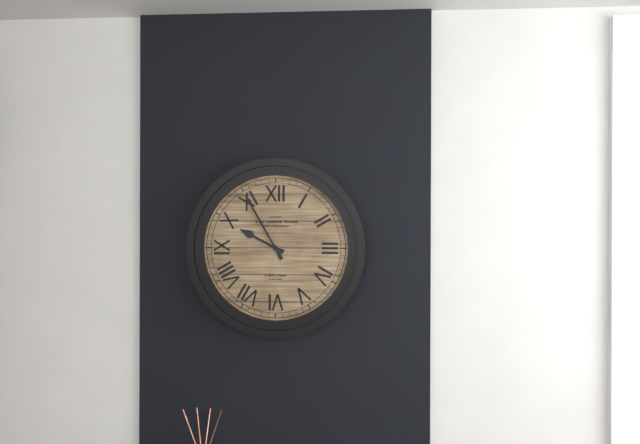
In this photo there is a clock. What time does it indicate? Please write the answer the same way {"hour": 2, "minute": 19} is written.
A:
{"hour": 9, "minute": 55}
